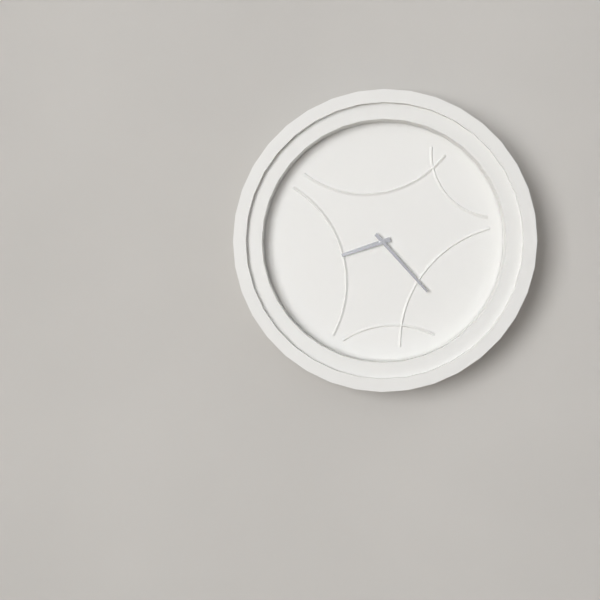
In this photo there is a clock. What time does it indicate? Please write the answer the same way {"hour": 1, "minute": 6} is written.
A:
{"hour": 8, "minute": 23}
